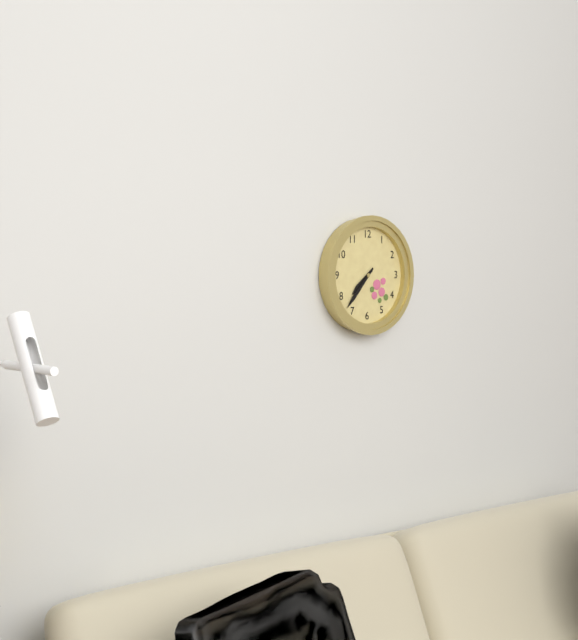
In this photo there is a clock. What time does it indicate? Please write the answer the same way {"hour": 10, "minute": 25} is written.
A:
{"hour": 7, "minute": 37}
